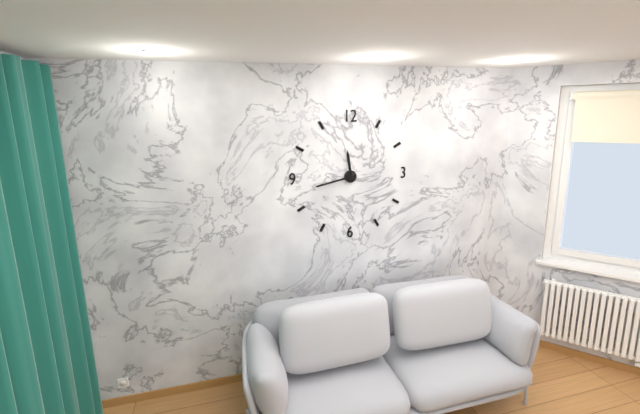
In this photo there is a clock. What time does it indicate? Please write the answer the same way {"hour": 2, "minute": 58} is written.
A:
{"hour": 11, "minute": 43}
